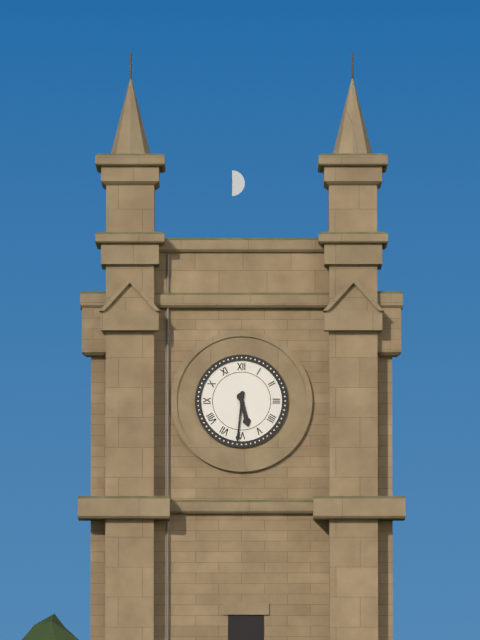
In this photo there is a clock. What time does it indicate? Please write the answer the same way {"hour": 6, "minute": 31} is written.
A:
{"hour": 5, "minute": 31}
